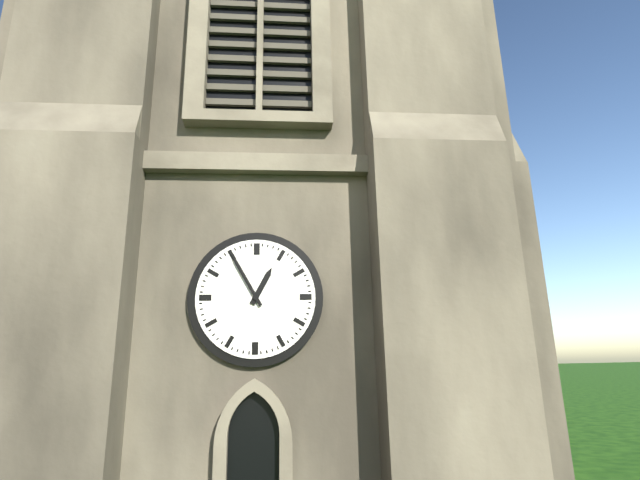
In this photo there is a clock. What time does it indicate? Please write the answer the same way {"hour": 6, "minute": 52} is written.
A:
{"hour": 12, "minute": 55}
